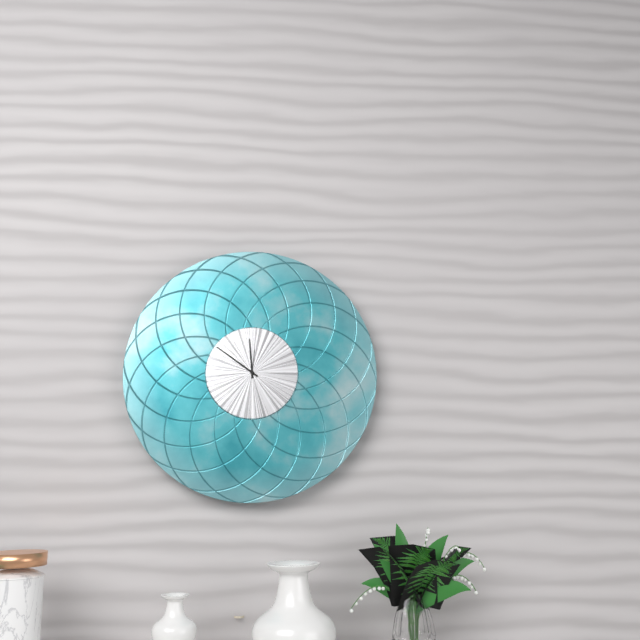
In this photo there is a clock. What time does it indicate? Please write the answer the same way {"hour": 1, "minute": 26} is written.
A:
{"hour": 11, "minute": 51}
